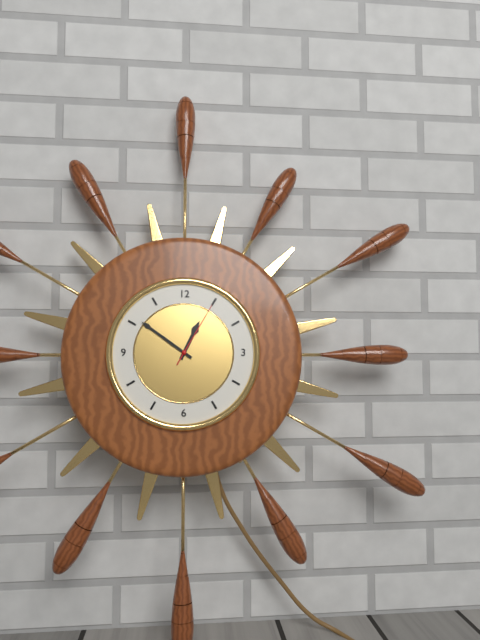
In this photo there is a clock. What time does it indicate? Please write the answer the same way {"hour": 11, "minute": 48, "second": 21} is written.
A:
{"hour": 12, "minute": 51, "second": 5}
